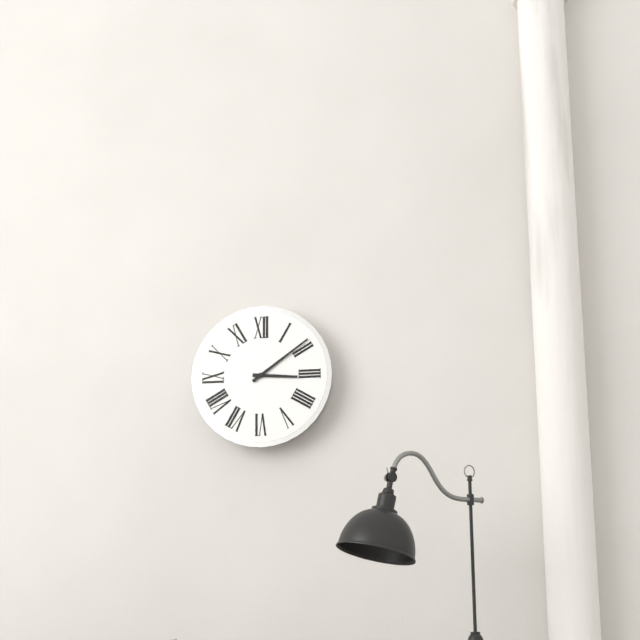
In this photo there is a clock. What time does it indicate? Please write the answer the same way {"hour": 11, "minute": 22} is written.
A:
{"hour": 3, "minute": 9}
